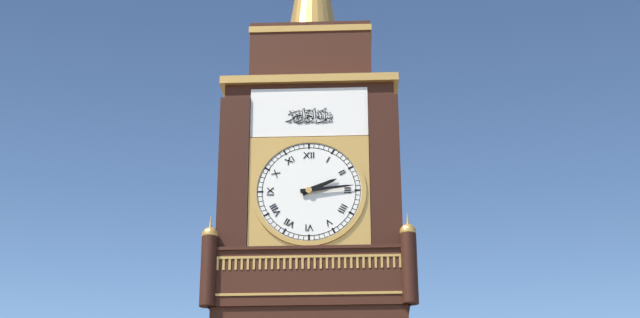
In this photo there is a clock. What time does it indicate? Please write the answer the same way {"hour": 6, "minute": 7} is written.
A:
{"hour": 2, "minute": 14}
